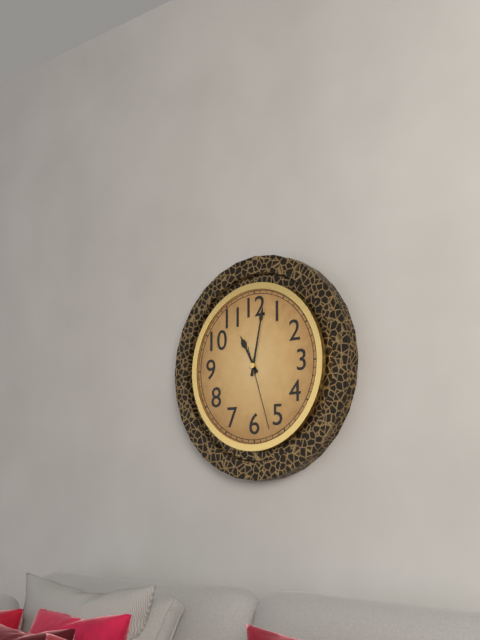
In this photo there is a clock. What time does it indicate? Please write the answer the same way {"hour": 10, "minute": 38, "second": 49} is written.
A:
{"hour": 11, "minute": 2, "second": 27}
